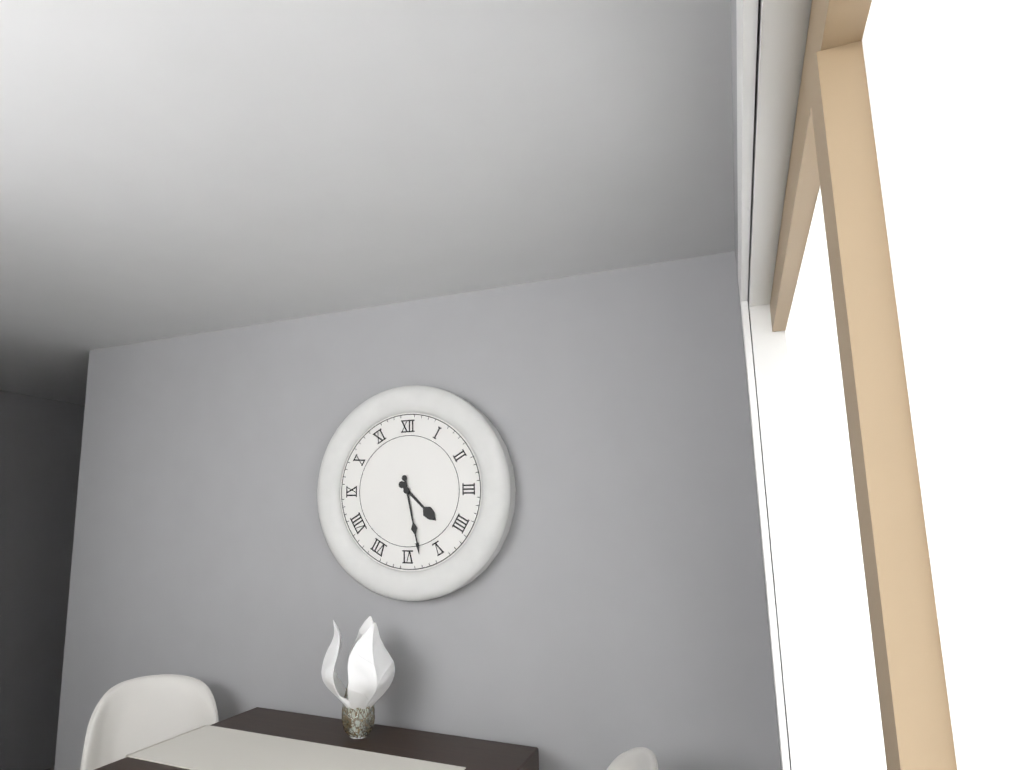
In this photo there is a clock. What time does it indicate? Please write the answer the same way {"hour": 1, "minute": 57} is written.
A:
{"hour": 4, "minute": 28}
